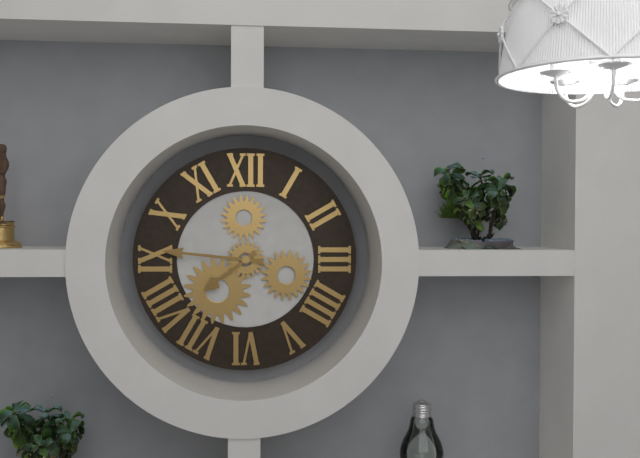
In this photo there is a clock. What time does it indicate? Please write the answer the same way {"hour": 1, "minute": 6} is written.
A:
{"hour": 7, "minute": 46}
